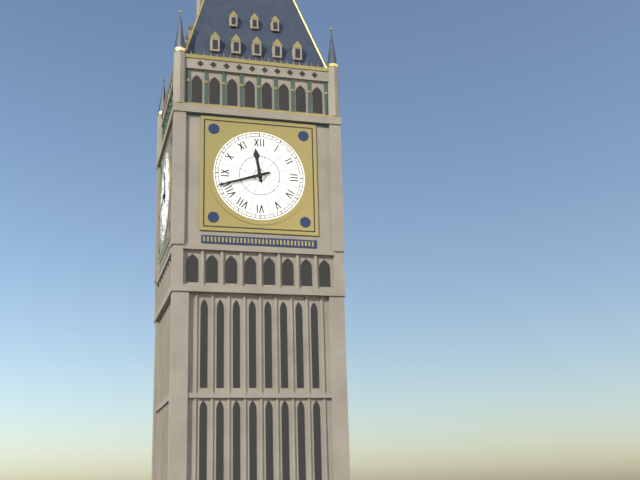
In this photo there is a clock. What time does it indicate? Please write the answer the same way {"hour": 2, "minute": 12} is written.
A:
{"hour": 11, "minute": 42}
